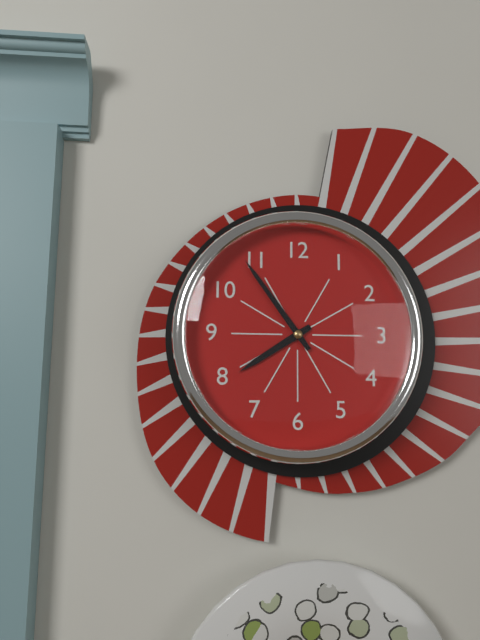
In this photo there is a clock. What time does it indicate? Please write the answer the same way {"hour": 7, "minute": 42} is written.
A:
{"hour": 7, "minute": 54}
